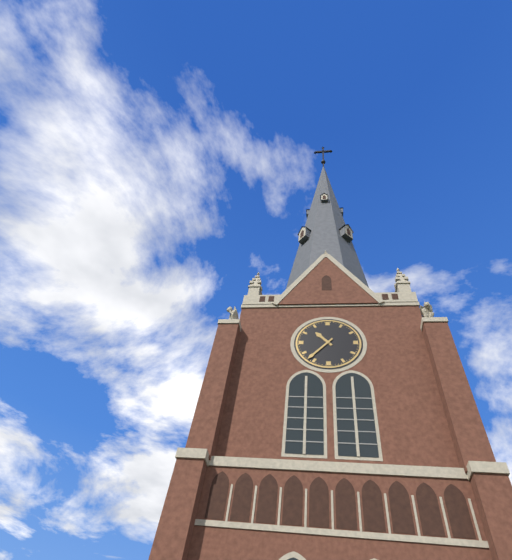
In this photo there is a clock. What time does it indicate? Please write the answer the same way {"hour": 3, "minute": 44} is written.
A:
{"hour": 10, "minute": 37}
